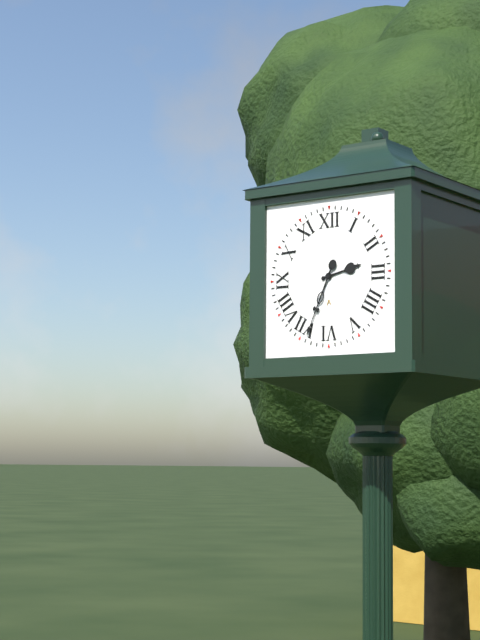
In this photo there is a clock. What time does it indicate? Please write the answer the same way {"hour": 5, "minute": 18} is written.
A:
{"hour": 2, "minute": 34}
